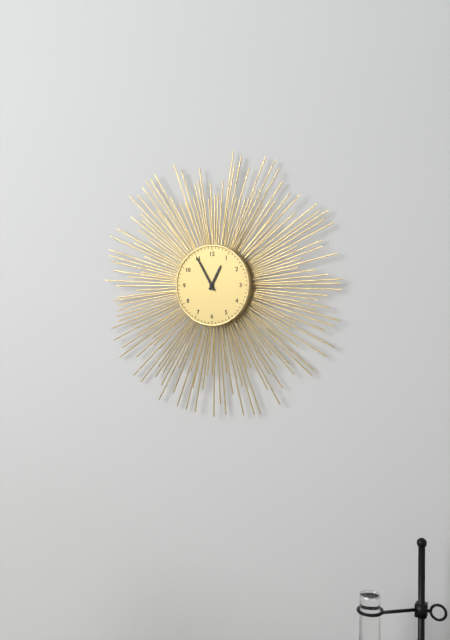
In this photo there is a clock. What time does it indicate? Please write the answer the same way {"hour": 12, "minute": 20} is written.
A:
{"hour": 12, "minute": 55}
